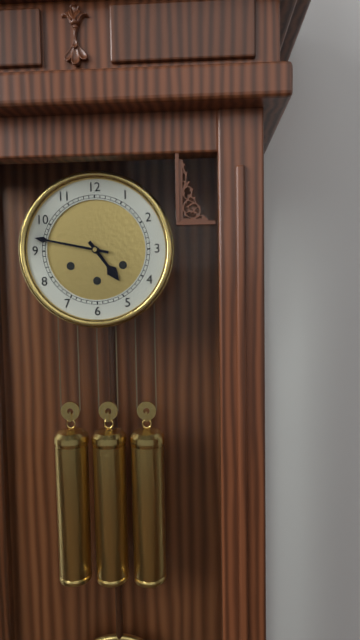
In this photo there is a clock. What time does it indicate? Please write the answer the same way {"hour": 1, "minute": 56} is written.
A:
{"hour": 4, "minute": 47}
